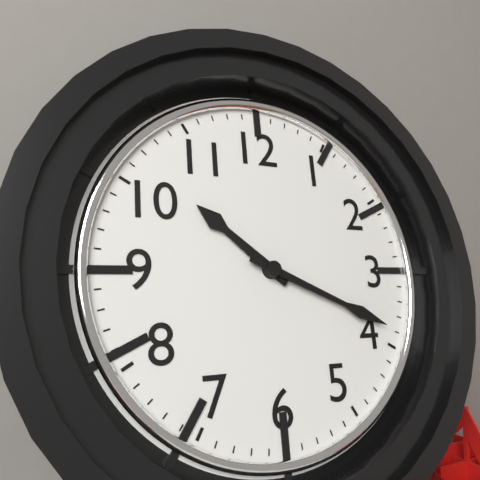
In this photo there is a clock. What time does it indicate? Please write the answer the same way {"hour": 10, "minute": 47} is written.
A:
{"hour": 10, "minute": 19}
